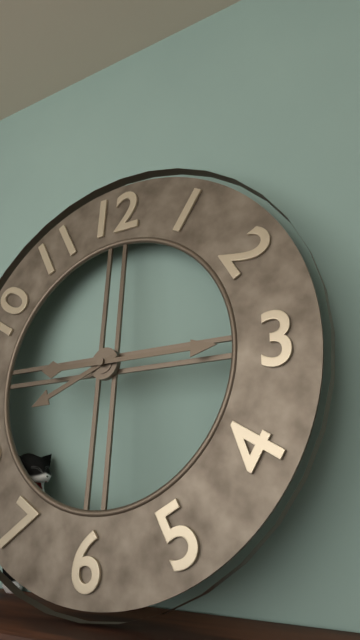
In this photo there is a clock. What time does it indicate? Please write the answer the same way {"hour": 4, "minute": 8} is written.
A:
{"hour": 8, "minute": 15}
